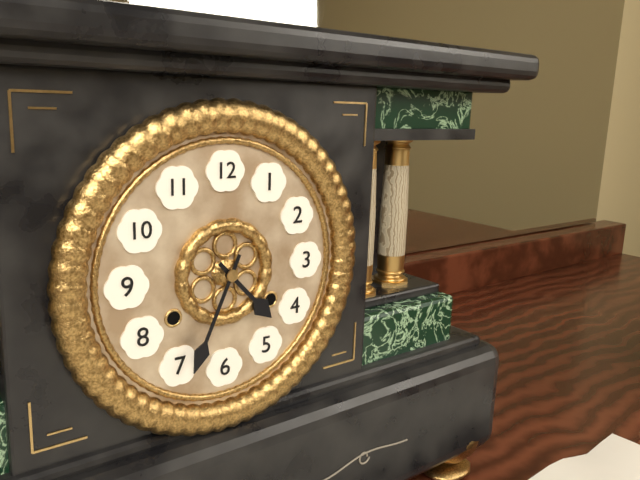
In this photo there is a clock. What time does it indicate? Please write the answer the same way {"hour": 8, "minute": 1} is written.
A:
{"hour": 4, "minute": 34}
